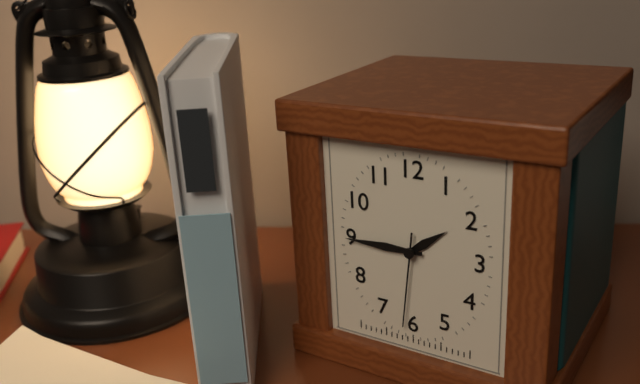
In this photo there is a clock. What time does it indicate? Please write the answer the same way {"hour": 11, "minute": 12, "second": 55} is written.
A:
{"hour": 1, "minute": 45, "second": 31}
